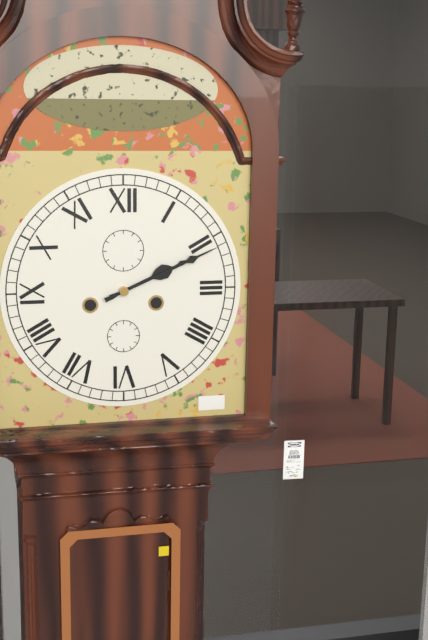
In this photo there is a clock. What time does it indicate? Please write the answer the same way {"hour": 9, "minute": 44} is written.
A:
{"hour": 2, "minute": 11}
